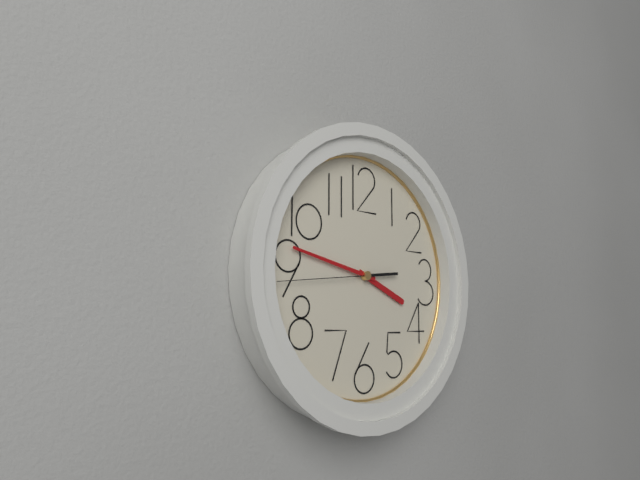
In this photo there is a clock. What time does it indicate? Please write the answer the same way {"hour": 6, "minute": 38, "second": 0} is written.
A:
{"hour": 3, "minute": 47, "second": 44}
